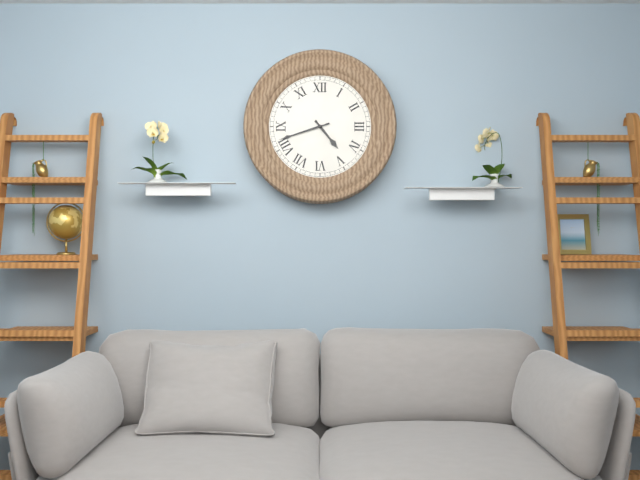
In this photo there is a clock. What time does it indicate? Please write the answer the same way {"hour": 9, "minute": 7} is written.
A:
{"hour": 4, "minute": 42}
